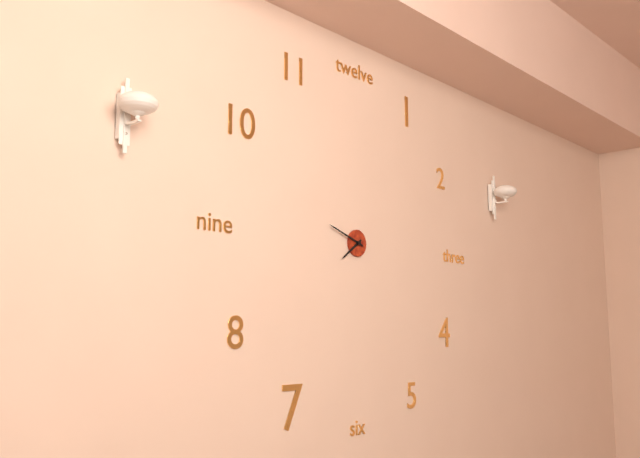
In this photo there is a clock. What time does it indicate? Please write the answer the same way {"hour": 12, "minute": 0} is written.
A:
{"hour": 7, "minute": 48}
